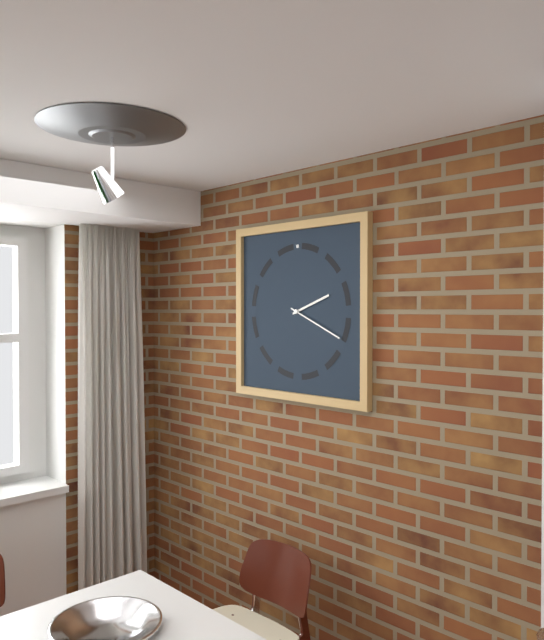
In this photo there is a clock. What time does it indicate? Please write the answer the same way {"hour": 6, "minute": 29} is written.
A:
{"hour": 2, "minute": 19}
